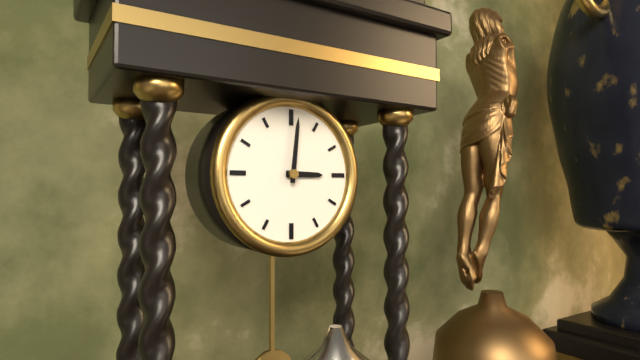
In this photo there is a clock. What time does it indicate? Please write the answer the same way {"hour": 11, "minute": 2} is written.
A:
{"hour": 3, "minute": 1}
